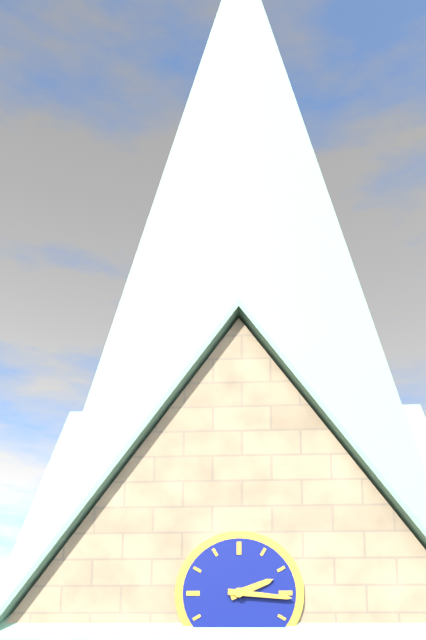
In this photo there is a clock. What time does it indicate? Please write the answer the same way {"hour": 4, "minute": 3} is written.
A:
{"hour": 2, "minute": 16}
